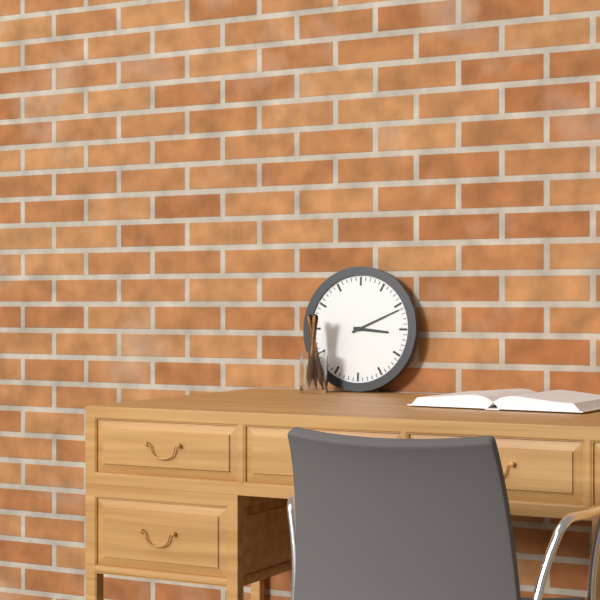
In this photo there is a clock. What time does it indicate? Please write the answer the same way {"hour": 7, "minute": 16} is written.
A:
{"hour": 3, "minute": 11}
